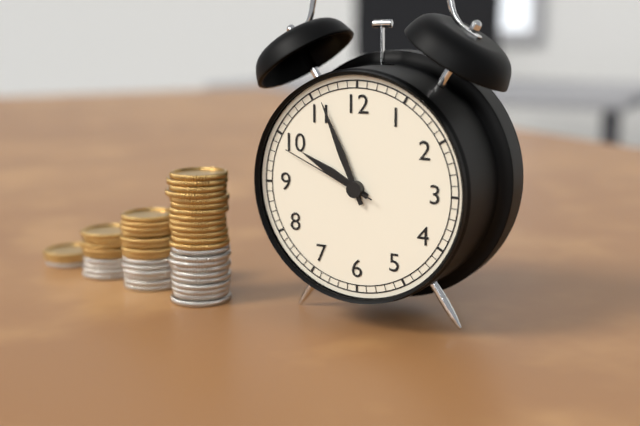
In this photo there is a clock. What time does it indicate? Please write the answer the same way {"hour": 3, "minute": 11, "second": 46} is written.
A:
{"hour": 9, "minute": 56, "second": 49}
